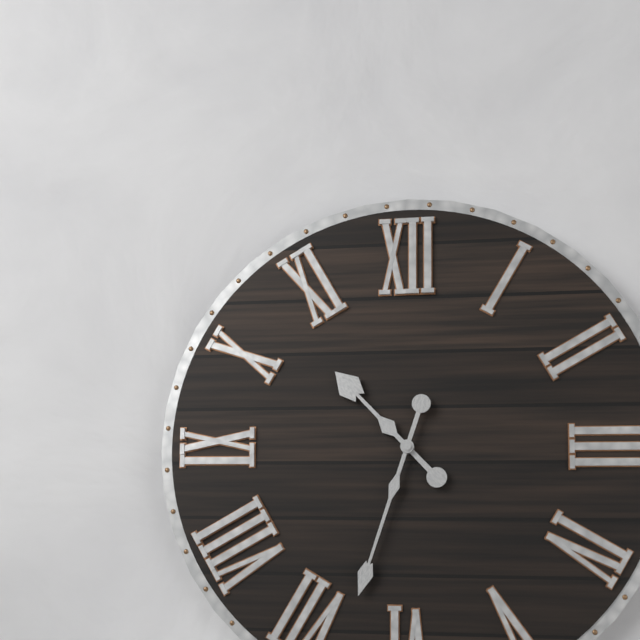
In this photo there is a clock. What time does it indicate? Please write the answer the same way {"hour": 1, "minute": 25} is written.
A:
{"hour": 10, "minute": 33}
